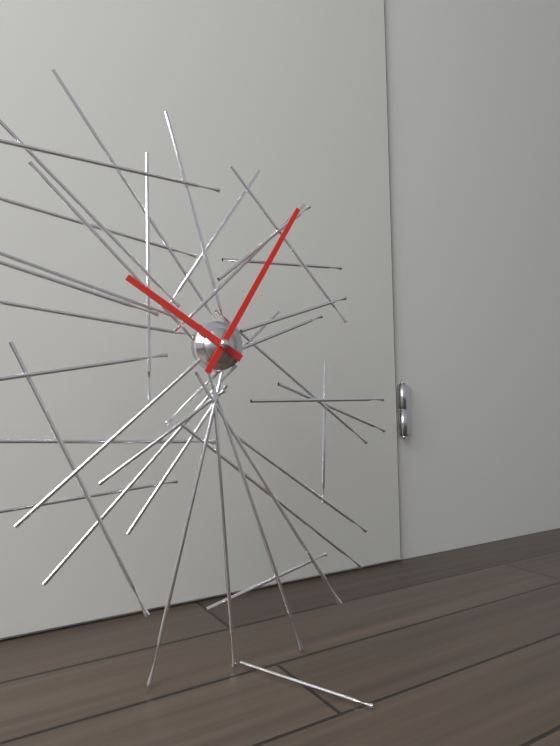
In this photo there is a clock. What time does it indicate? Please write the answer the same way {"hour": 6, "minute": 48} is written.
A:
{"hour": 10, "minute": 5}
